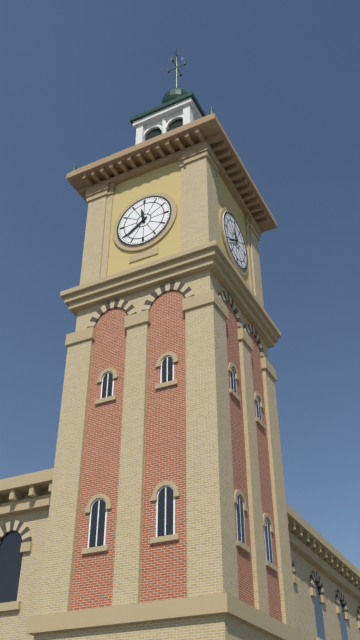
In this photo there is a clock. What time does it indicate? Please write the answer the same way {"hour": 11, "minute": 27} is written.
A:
{"hour": 11, "minute": 39}
